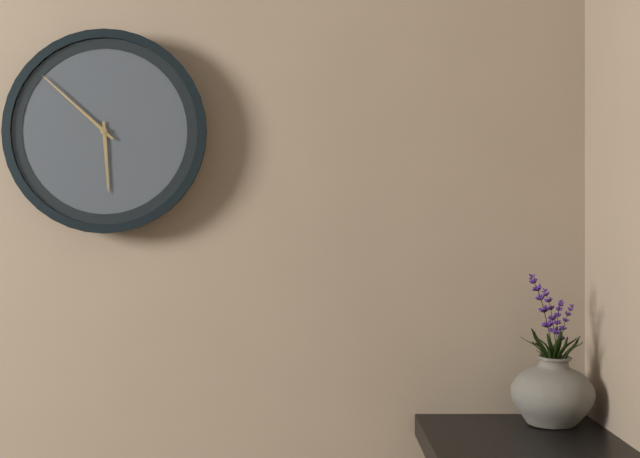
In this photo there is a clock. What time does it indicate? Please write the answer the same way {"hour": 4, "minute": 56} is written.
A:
{"hour": 5, "minute": 52}
